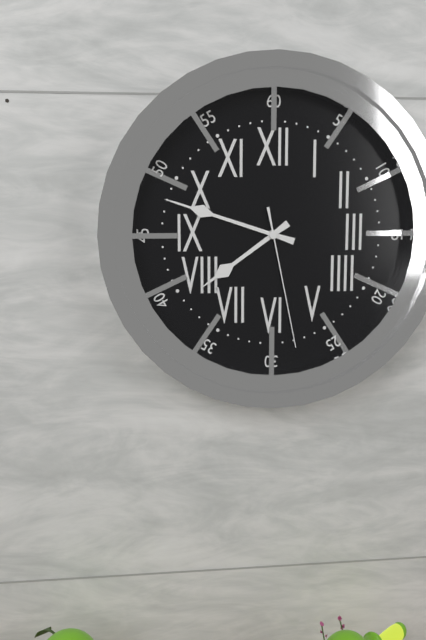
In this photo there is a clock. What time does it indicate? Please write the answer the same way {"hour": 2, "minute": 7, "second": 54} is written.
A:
{"hour": 7, "minute": 48, "second": 28}
